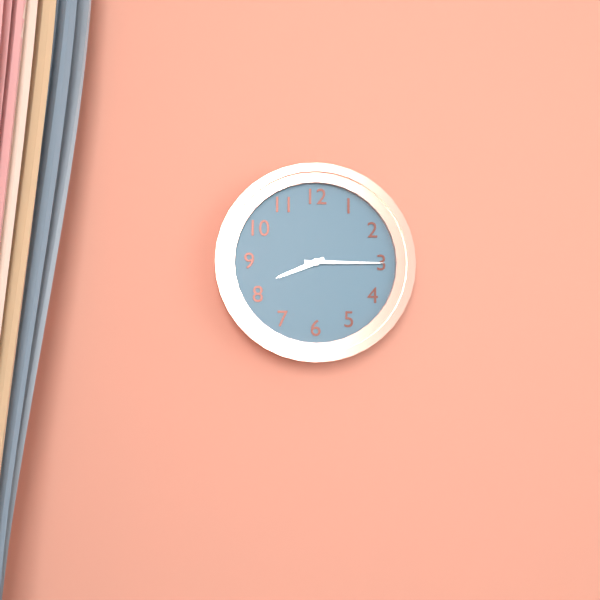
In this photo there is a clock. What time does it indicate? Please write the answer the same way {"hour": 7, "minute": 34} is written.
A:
{"hour": 8, "minute": 15}
